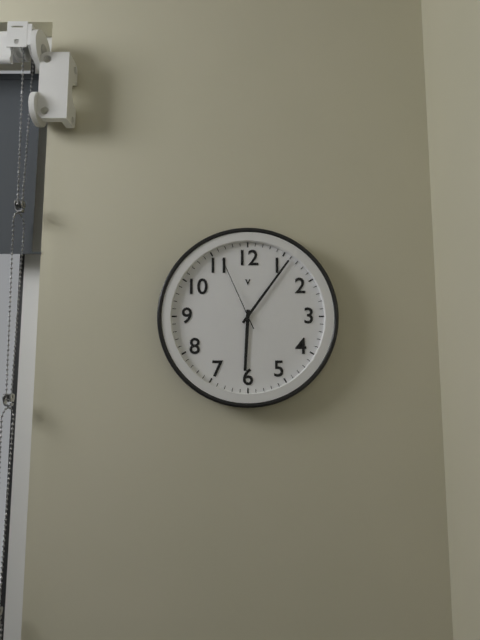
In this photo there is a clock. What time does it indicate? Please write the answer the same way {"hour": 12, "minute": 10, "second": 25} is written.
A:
{"hour": 6, "minute": 6, "second": 56}
